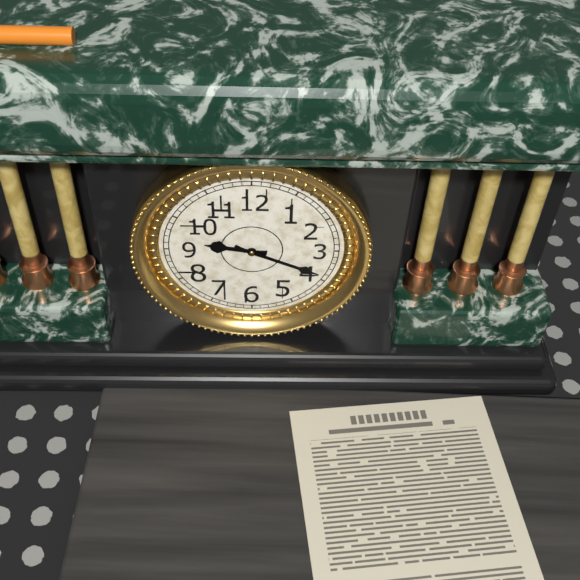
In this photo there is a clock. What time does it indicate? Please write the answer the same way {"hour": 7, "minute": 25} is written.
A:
{"hour": 9, "minute": 19}
